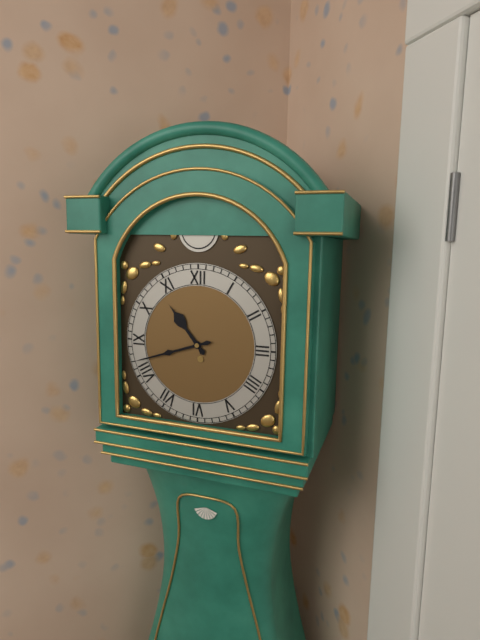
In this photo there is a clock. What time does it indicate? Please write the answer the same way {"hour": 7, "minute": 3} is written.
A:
{"hour": 10, "minute": 42}
